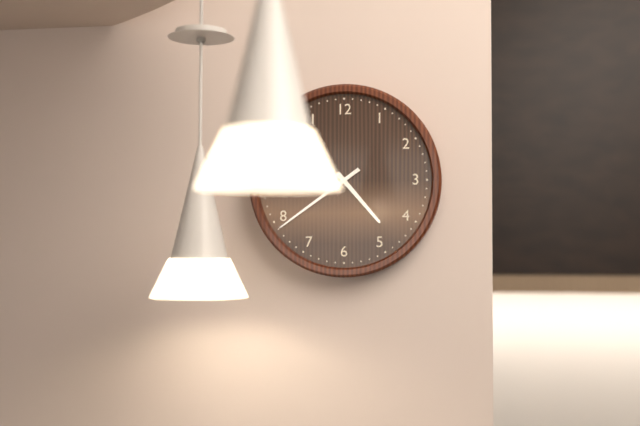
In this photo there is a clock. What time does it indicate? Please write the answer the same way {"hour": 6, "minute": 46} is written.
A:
{"hour": 4, "minute": 39}
